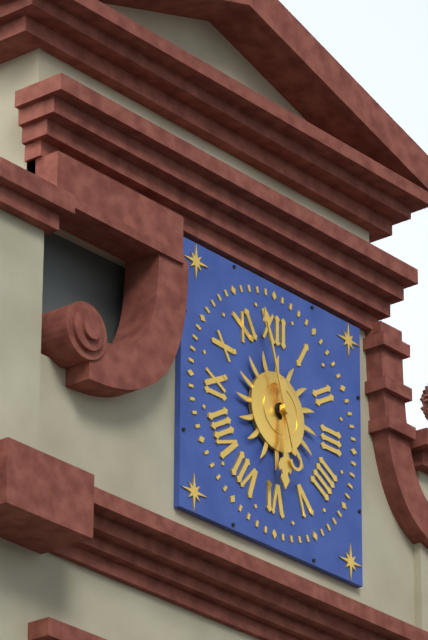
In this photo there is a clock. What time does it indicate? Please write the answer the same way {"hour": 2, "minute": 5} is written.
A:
{"hour": 5, "minute": 57}
